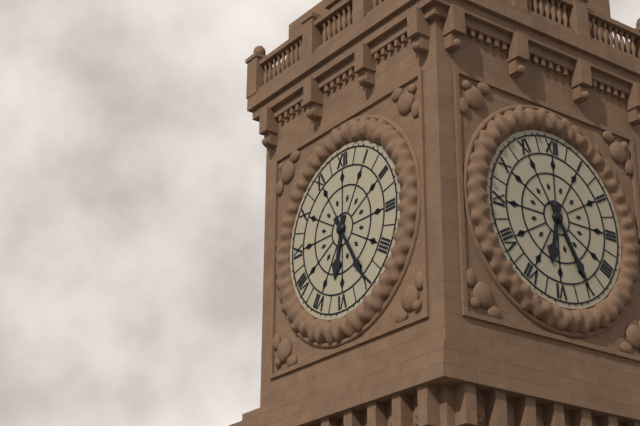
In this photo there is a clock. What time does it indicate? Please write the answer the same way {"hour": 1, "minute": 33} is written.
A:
{"hour": 6, "minute": 25}
